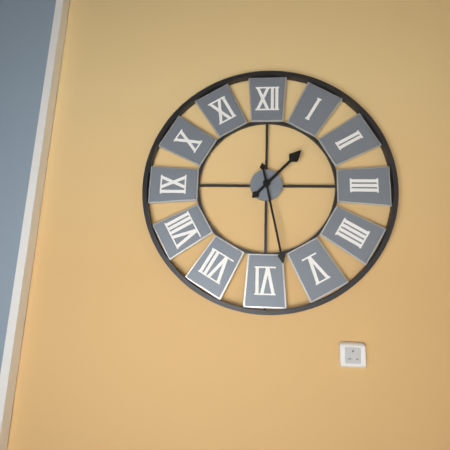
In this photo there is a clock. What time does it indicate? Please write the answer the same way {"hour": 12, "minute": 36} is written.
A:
{"hour": 1, "minute": 28}
